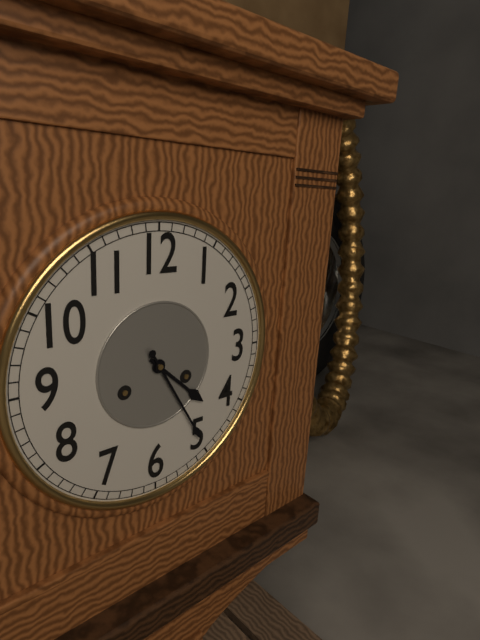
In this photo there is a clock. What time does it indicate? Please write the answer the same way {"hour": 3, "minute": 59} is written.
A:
{"hour": 4, "minute": 25}
